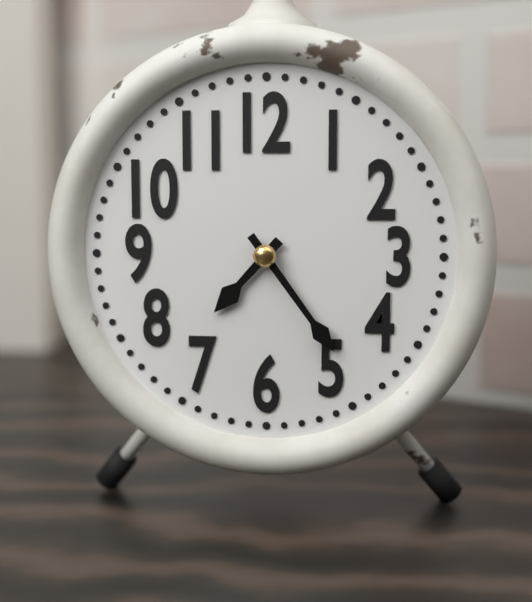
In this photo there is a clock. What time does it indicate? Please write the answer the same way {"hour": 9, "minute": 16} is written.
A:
{"hour": 7, "minute": 24}
